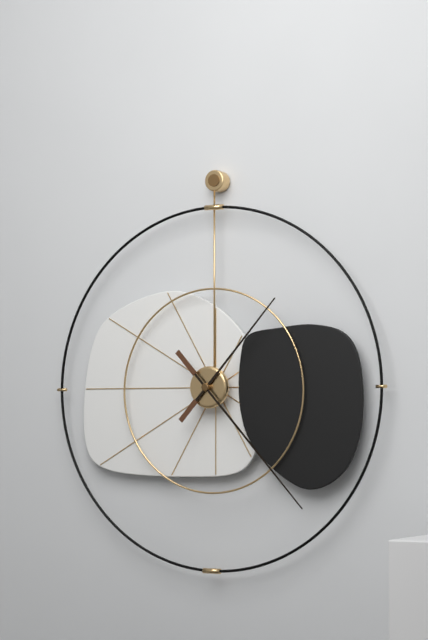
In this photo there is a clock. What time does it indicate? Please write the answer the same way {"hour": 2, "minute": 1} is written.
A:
{"hour": 1, "minute": 23}
